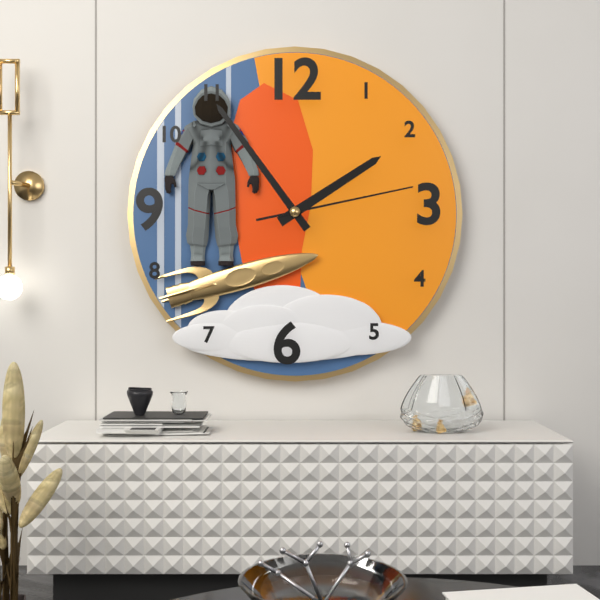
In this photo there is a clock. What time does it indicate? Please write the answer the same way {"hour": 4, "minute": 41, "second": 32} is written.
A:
{"hour": 1, "minute": 54, "second": 13}
